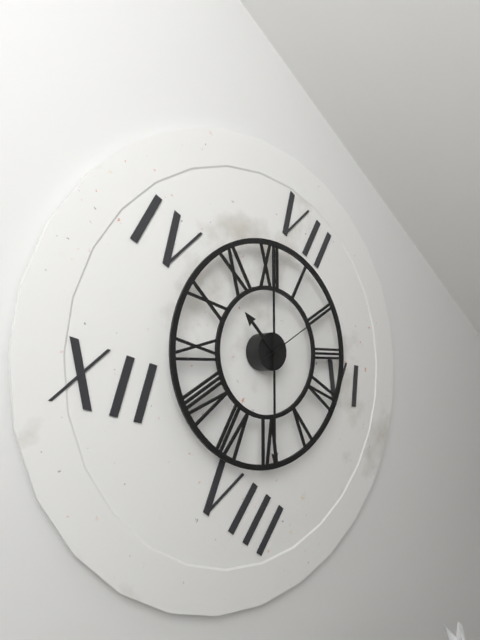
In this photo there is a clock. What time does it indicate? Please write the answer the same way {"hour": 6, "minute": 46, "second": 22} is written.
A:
{"hour": 10, "minute": 30, "second": 10}
